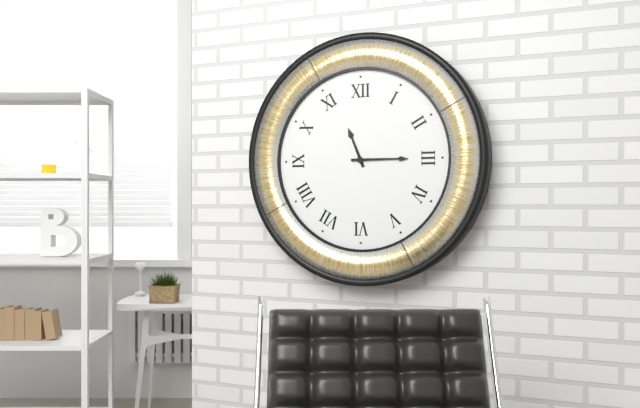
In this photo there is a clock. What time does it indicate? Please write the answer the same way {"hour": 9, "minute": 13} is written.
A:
{"hour": 11, "minute": 15}
